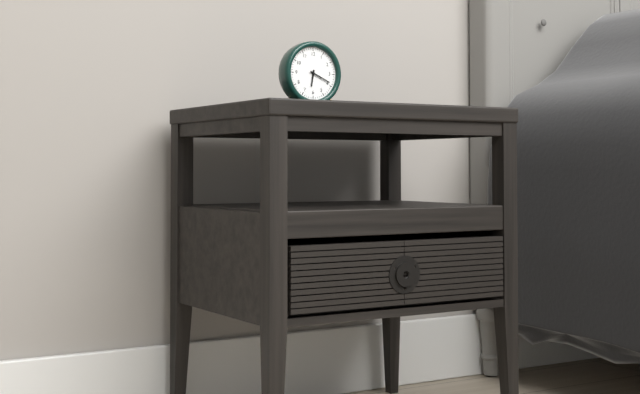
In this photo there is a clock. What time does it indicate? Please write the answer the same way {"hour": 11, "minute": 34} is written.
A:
{"hour": 6, "minute": 19}
